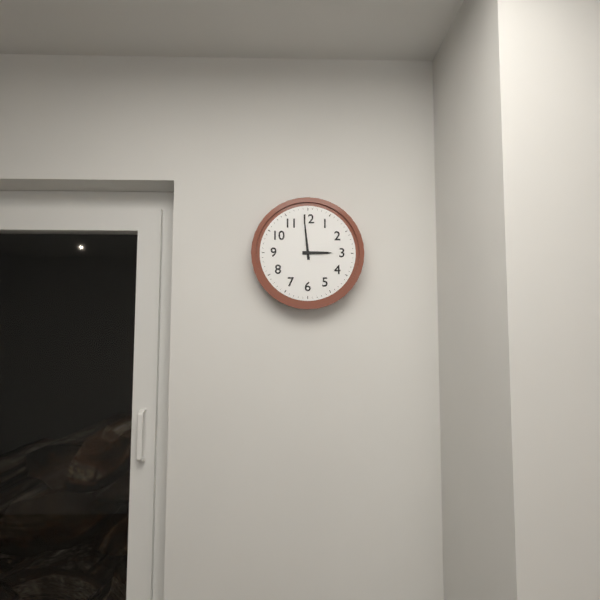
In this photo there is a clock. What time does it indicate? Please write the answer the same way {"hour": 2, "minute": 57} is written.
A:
{"hour": 2, "minute": 59}
